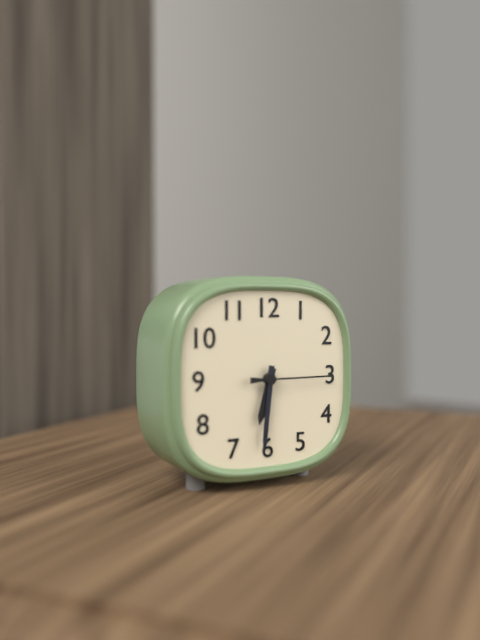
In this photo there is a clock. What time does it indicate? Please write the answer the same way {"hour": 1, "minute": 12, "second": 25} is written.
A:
{"hour": 6, "minute": 31, "second": 15}
